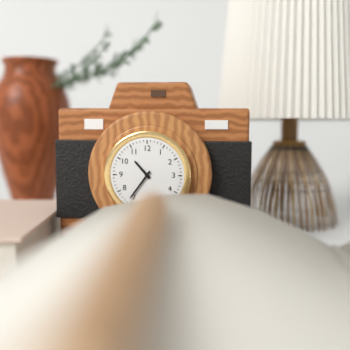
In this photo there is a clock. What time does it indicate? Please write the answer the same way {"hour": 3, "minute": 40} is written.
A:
{"hour": 10, "minute": 36}
